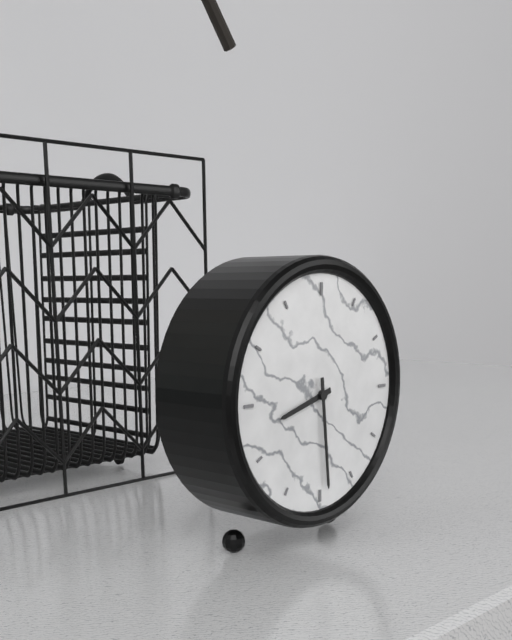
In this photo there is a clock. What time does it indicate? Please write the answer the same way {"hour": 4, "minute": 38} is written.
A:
{"hour": 8, "minute": 29}
